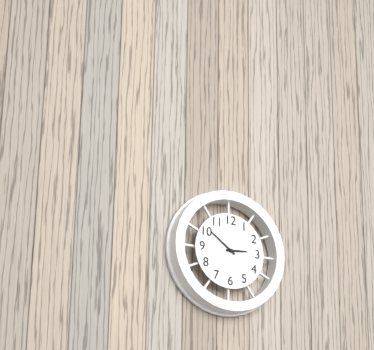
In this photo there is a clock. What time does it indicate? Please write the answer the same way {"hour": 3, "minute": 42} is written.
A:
{"hour": 2, "minute": 51}
